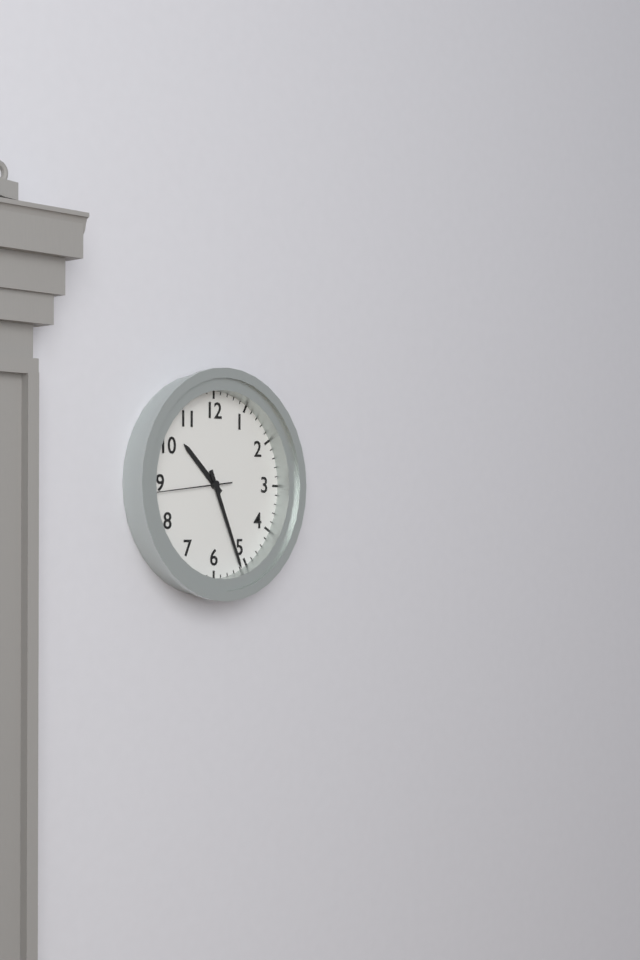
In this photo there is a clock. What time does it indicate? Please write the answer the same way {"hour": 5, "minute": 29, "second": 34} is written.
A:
{"hour": 10, "minute": 26, "second": 44}
